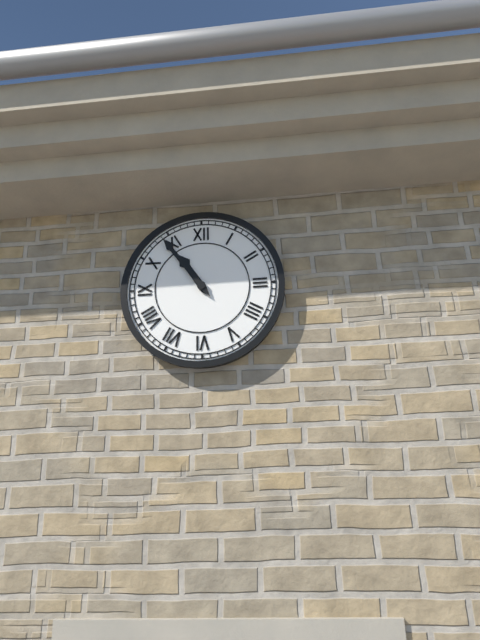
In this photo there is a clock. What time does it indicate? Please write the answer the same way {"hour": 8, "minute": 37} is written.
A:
{"hour": 10, "minute": 54}
